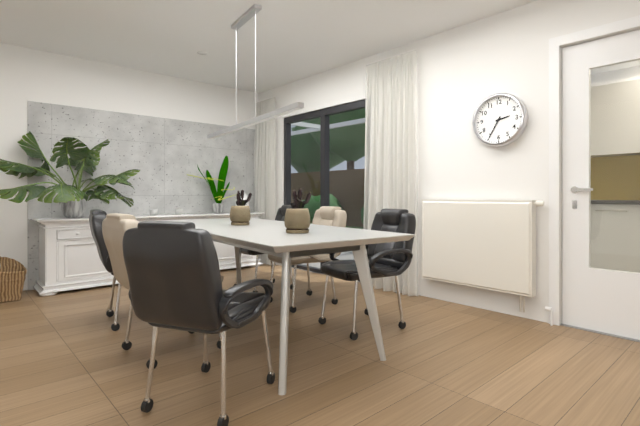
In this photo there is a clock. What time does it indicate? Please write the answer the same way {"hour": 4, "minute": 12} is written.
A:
{"hour": 2, "minute": 35}
